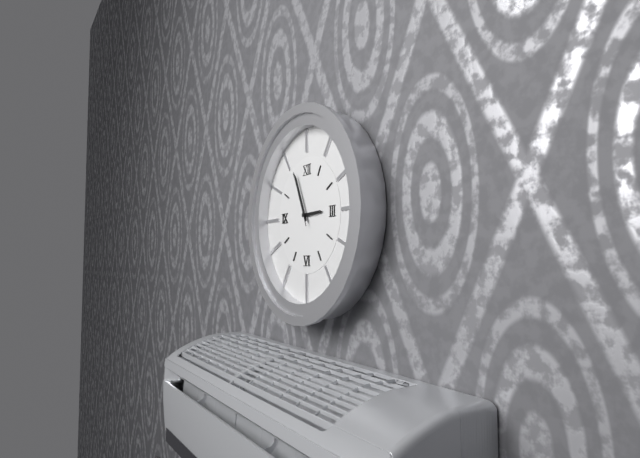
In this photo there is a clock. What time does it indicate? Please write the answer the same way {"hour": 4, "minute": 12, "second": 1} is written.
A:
{"hour": 2, "minute": 56, "second": 56}
